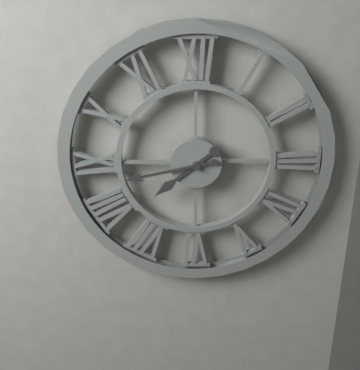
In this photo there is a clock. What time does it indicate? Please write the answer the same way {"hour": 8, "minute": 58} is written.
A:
{"hour": 7, "minute": 43}
